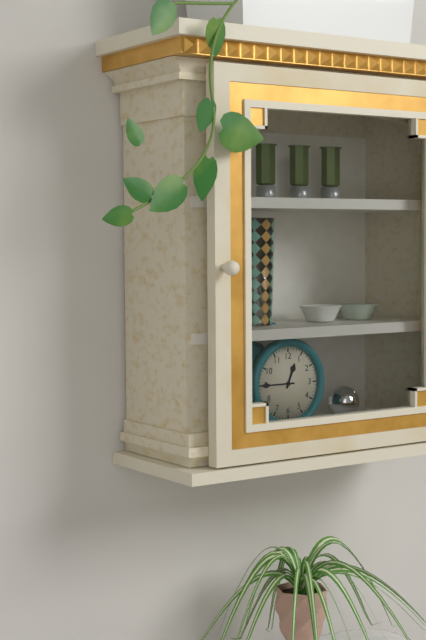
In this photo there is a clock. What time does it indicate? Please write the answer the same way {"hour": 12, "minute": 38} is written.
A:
{"hour": 12, "minute": 45}
